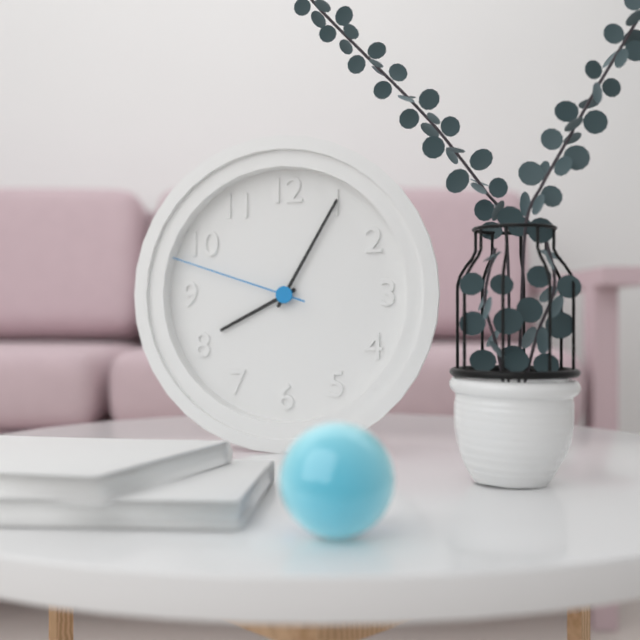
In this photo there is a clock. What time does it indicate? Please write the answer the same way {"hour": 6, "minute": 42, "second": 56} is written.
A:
{"hour": 8, "minute": 5, "second": 48}
